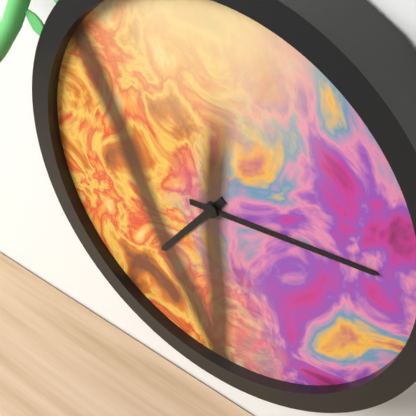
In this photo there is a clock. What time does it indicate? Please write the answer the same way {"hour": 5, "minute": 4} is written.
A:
{"hour": 7, "minute": 14}
